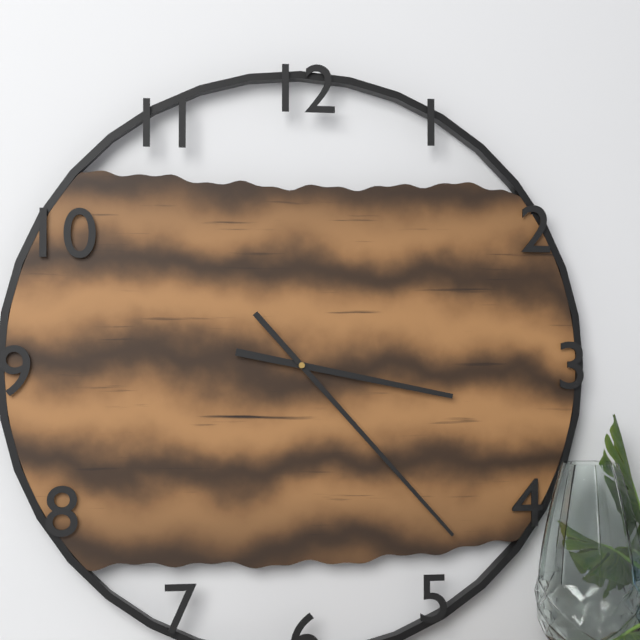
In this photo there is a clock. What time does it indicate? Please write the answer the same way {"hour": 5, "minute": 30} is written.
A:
{"hour": 3, "minute": 23}
